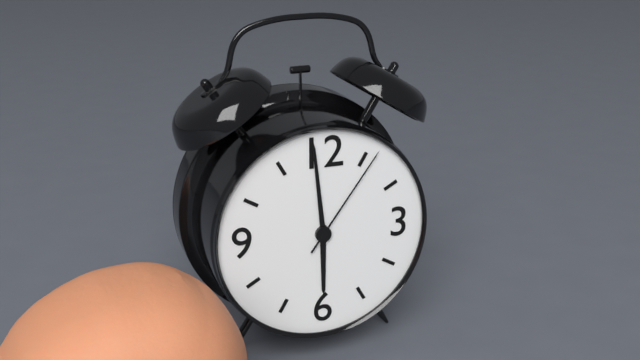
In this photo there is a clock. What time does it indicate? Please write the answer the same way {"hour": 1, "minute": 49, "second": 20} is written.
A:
{"hour": 5, "minute": 59, "second": 6}
